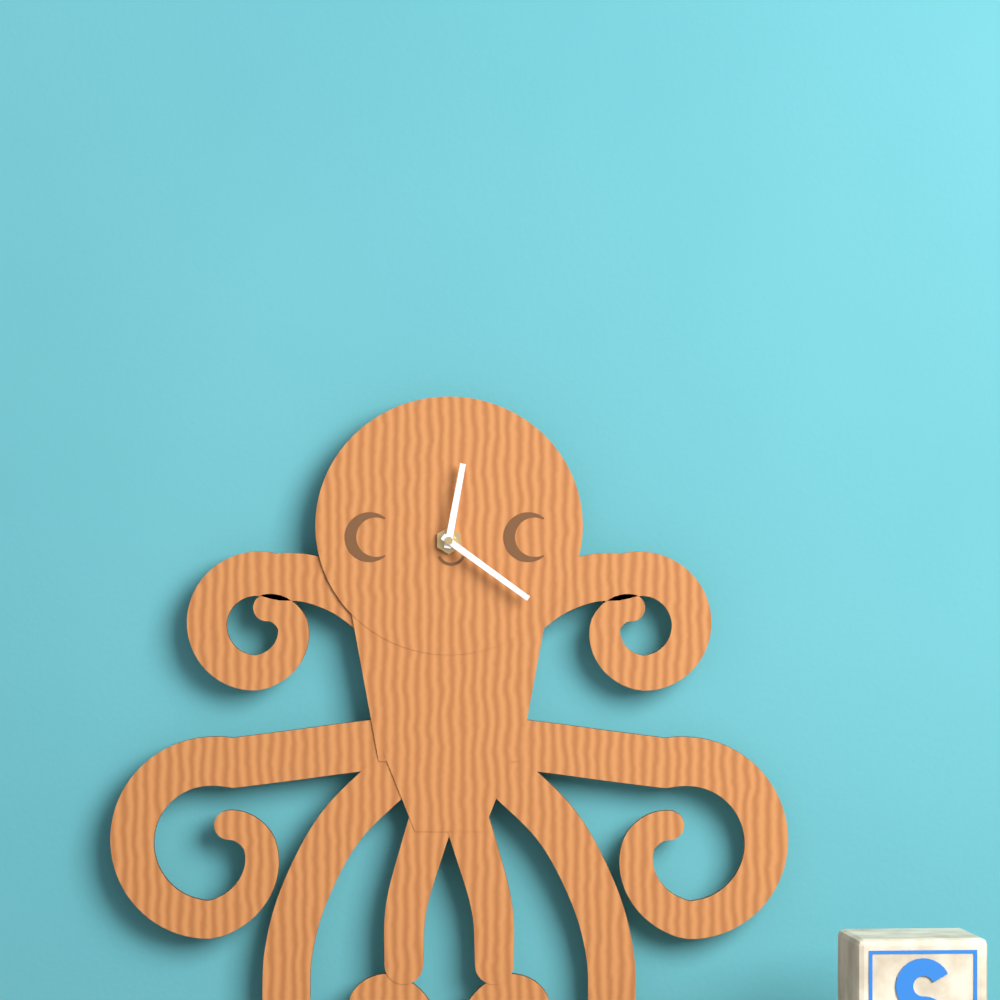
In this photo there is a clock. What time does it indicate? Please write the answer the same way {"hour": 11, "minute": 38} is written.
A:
{"hour": 12, "minute": 21}
